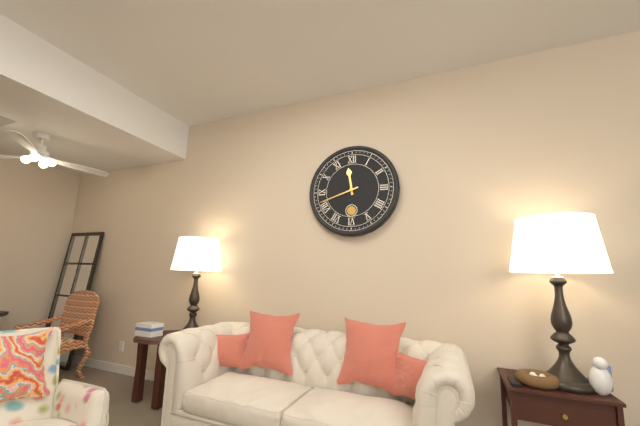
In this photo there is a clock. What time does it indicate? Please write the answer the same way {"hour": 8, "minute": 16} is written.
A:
{"hour": 11, "minute": 42}
